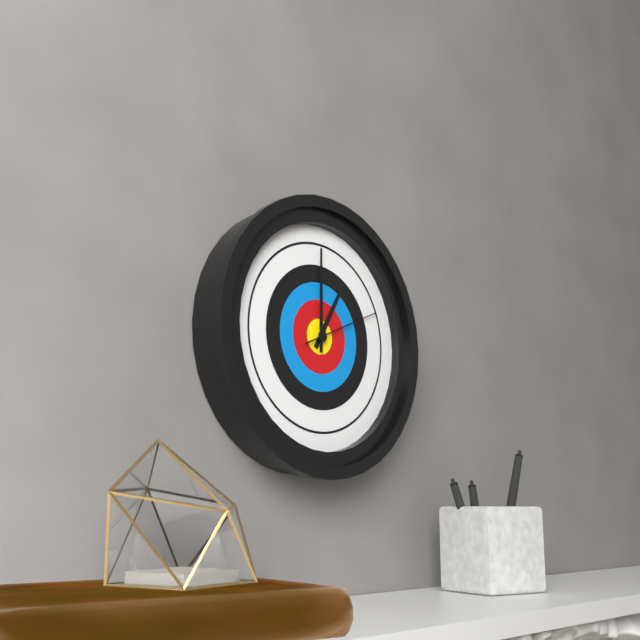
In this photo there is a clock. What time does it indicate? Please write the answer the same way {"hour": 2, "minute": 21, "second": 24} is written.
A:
{"hour": 1, "minute": 0, "second": 11}
